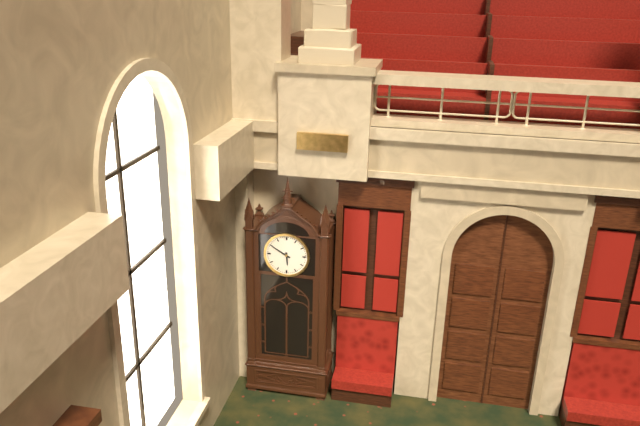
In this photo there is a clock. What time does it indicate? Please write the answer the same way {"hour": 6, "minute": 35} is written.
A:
{"hour": 5, "minute": 50}
